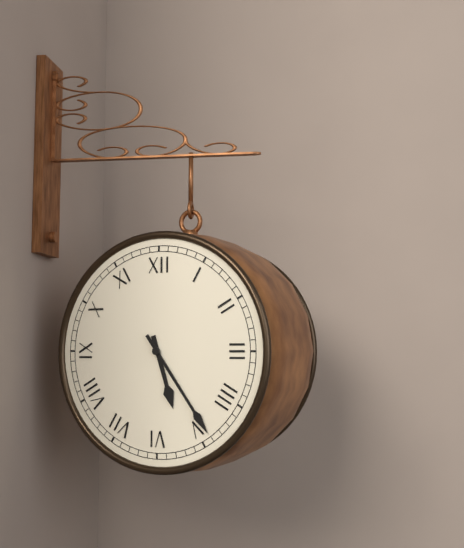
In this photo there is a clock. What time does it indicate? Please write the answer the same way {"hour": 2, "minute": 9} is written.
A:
{"hour": 5, "minute": 24}
